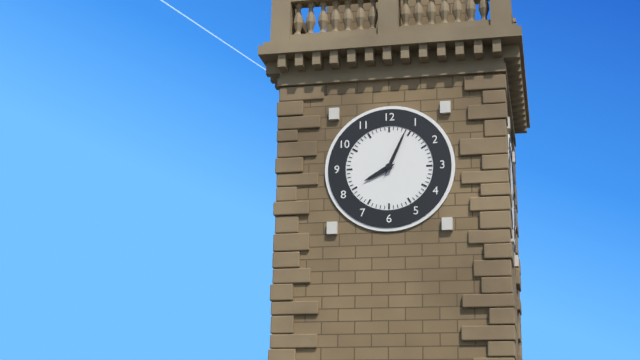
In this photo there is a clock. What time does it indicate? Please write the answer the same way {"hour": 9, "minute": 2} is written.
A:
{"hour": 8, "minute": 4}
